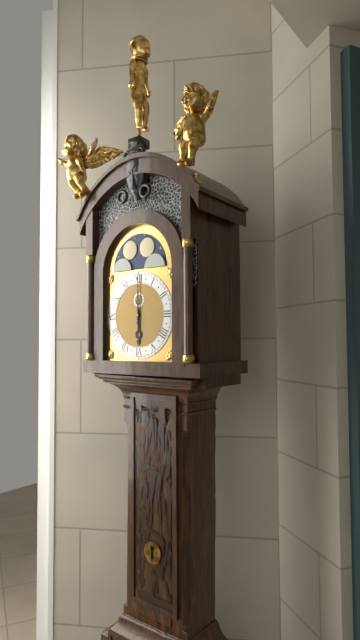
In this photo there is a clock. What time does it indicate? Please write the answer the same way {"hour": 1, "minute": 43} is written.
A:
{"hour": 6, "minute": 0}
